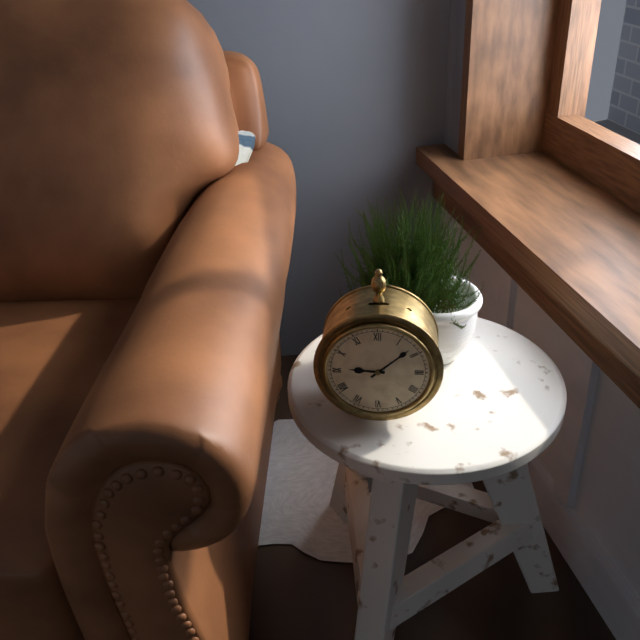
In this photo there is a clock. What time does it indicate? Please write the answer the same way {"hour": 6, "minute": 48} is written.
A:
{"hour": 9, "minute": 8}
